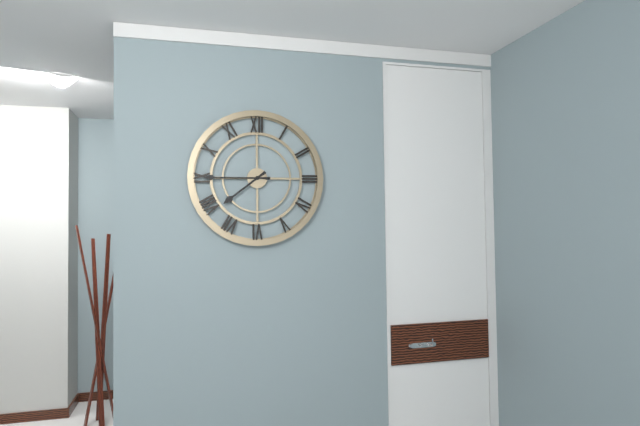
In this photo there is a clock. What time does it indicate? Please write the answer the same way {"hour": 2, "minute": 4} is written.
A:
{"hour": 7, "minute": 45}
